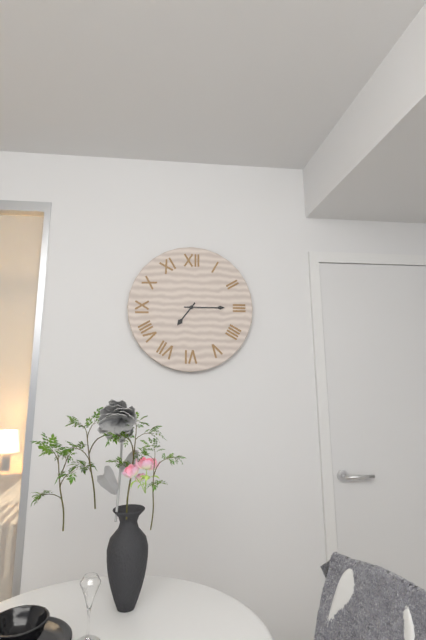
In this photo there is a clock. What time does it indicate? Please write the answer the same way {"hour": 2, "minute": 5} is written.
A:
{"hour": 7, "minute": 15}
